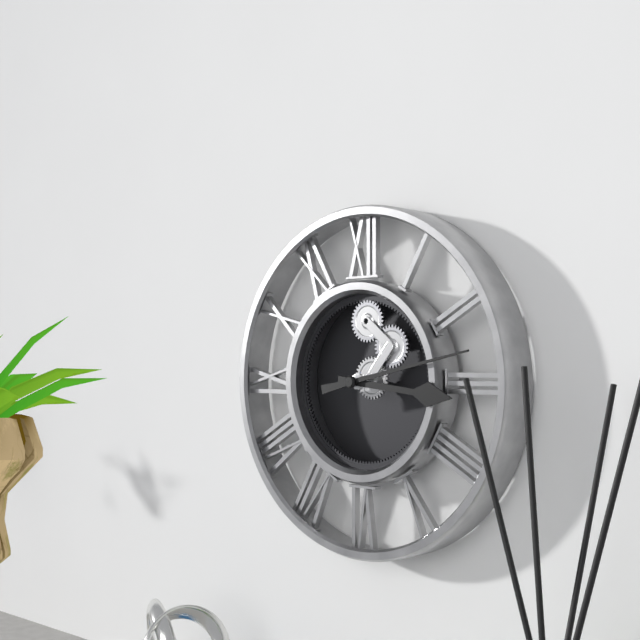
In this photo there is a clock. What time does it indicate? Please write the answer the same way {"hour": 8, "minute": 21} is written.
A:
{"hour": 3, "minute": 13}
